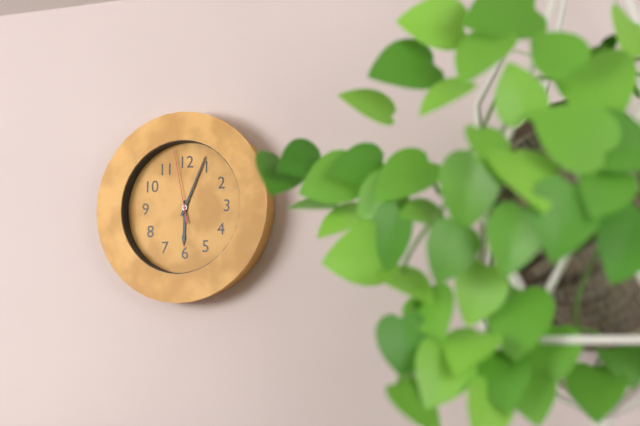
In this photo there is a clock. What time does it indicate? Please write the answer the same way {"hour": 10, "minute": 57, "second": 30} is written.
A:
{"hour": 6, "minute": 4, "second": 58}
